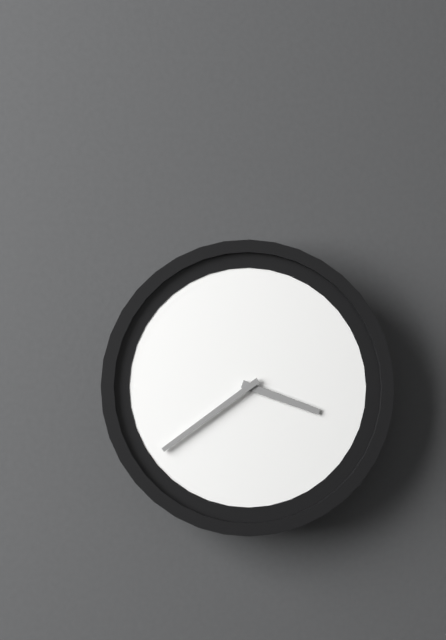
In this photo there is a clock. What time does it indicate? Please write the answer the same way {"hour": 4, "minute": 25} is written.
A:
{"hour": 3, "minute": 39}
